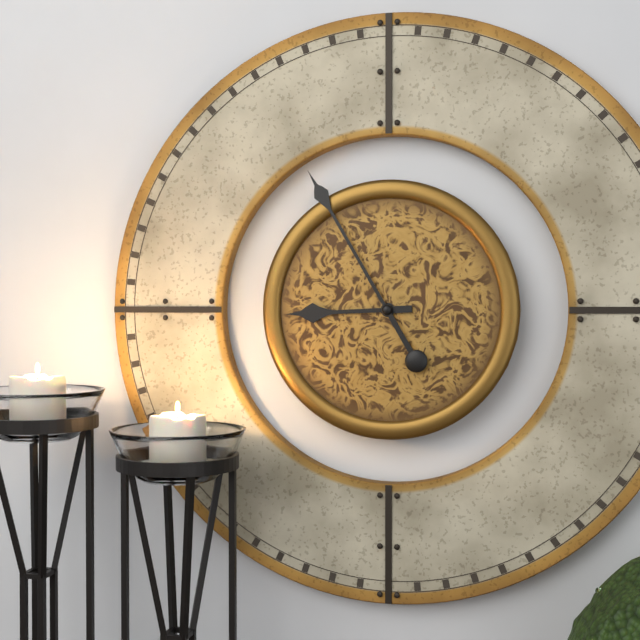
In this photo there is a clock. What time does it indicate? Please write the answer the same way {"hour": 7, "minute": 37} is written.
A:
{"hour": 8, "minute": 55}
